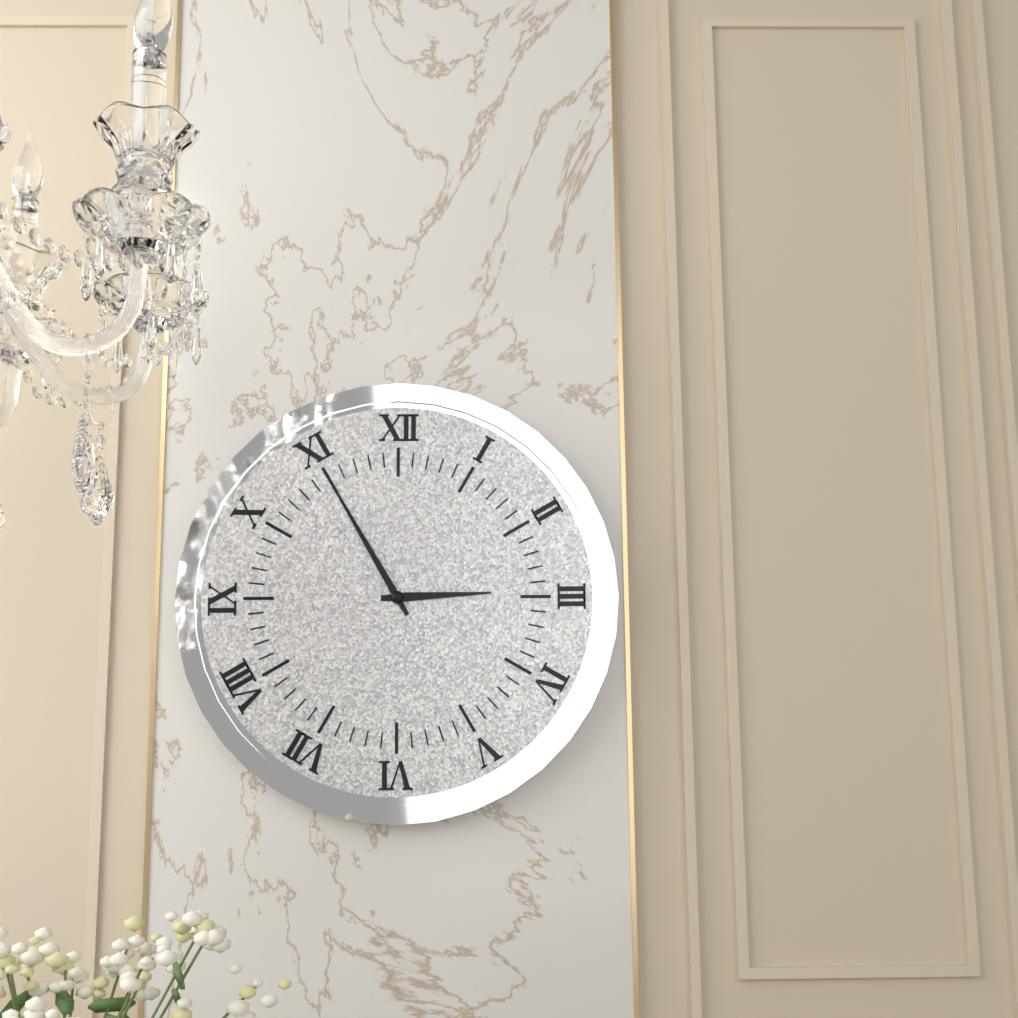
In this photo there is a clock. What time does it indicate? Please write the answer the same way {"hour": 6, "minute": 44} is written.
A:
{"hour": 2, "minute": 55}
